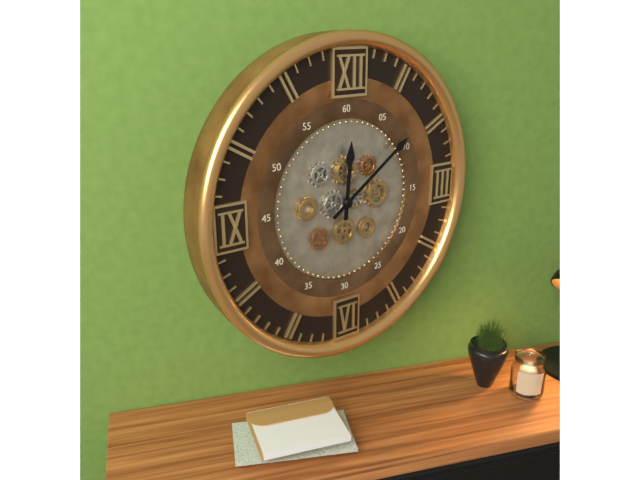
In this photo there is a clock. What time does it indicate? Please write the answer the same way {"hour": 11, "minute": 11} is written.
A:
{"hour": 12, "minute": 9}
